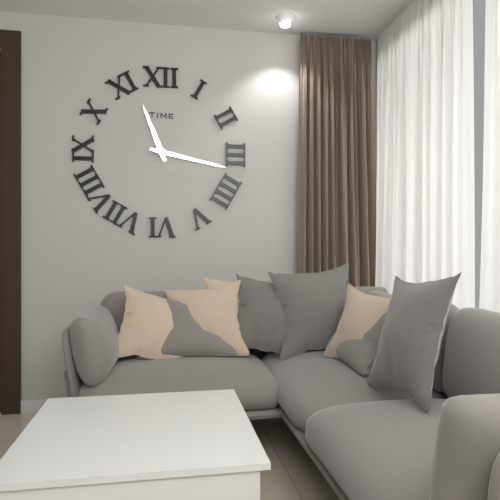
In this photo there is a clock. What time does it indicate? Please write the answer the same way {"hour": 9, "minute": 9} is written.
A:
{"hour": 11, "minute": 17}
